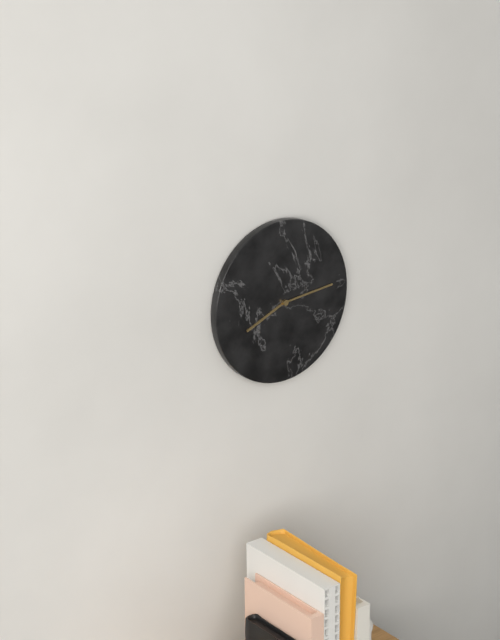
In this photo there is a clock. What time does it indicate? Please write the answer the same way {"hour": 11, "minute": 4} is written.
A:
{"hour": 8, "minute": 14}
